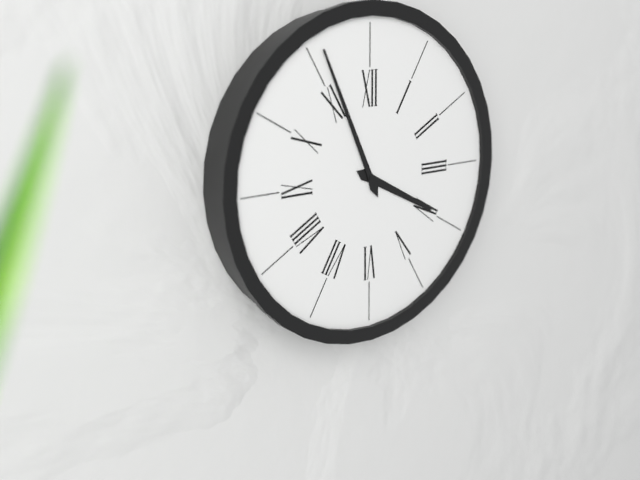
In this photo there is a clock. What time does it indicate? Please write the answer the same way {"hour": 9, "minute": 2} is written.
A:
{"hour": 3, "minute": 56}
